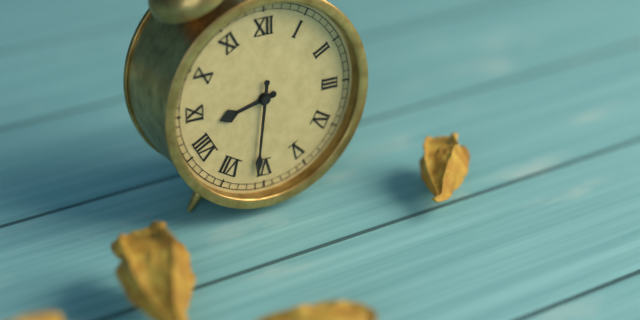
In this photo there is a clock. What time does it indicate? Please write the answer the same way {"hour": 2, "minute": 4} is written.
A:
{"hour": 8, "minute": 31}
